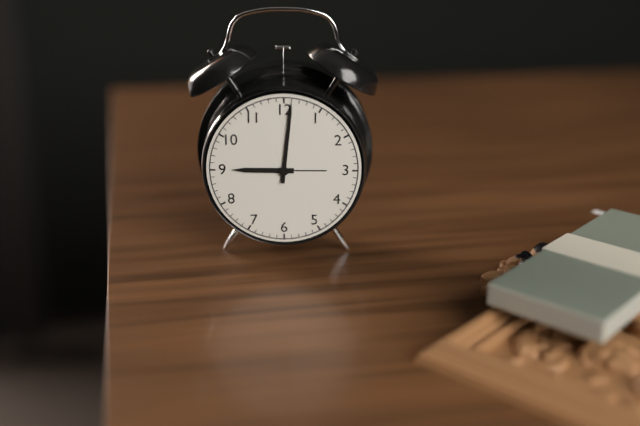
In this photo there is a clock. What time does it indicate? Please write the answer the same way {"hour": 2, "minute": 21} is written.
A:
{"hour": 9, "minute": 1}
